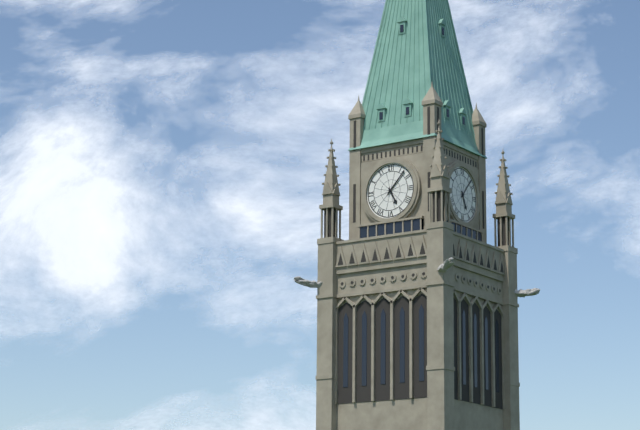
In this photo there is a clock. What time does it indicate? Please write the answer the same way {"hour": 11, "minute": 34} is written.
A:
{"hour": 5, "minute": 7}
